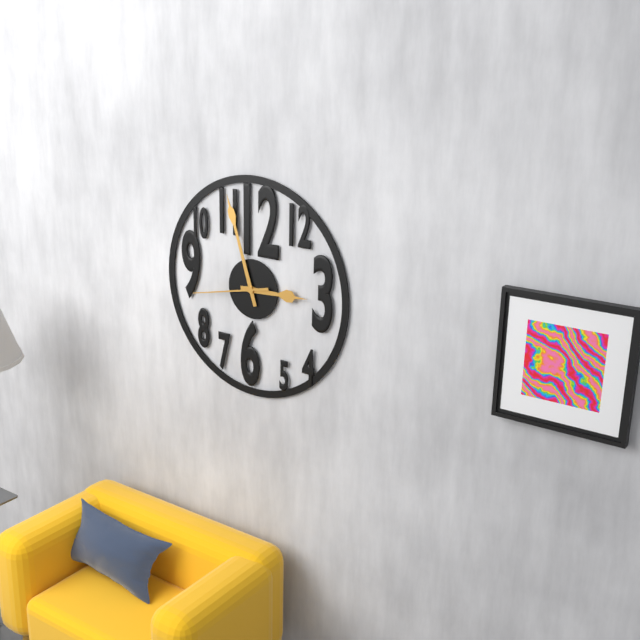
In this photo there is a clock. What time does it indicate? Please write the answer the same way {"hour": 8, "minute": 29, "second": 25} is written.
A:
{"hour": 2, "minute": 57, "second": 43}
